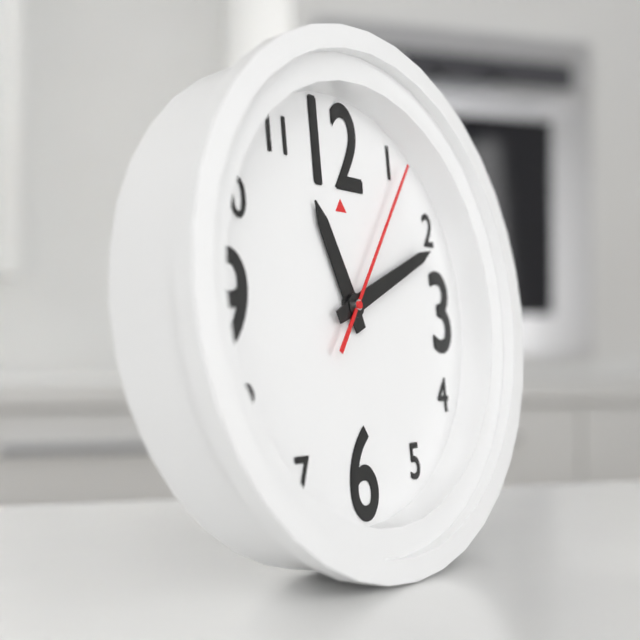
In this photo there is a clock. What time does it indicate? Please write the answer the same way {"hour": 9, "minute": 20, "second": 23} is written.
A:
{"hour": 11, "minute": 11, "second": 6}
